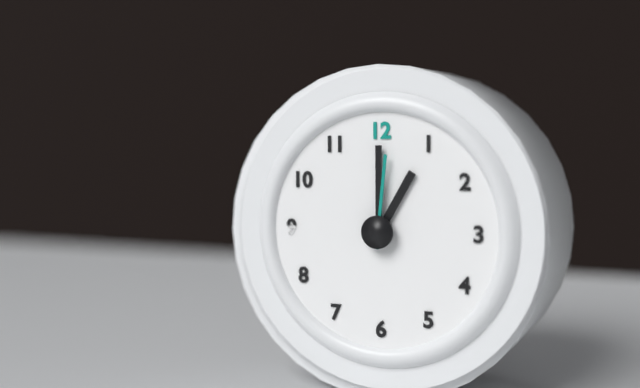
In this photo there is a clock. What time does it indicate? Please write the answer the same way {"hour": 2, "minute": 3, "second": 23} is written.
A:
{"hour": 1, "minute": 0, "second": 1}
